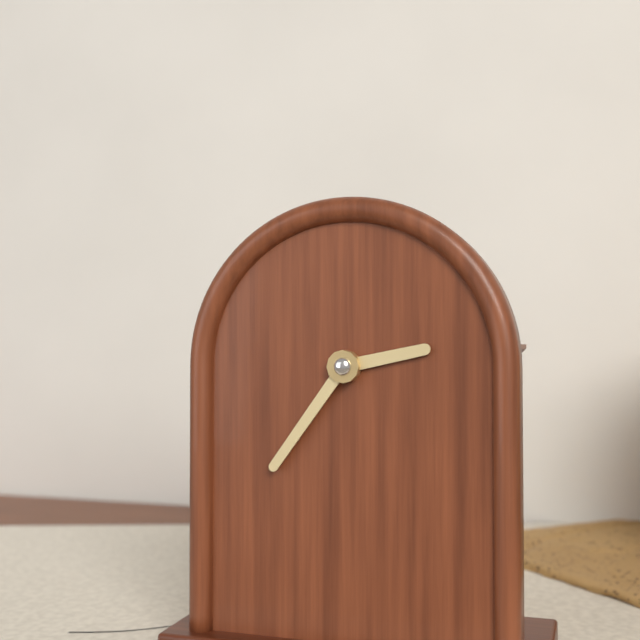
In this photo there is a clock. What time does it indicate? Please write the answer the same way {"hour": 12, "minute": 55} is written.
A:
{"hour": 2, "minute": 36}
